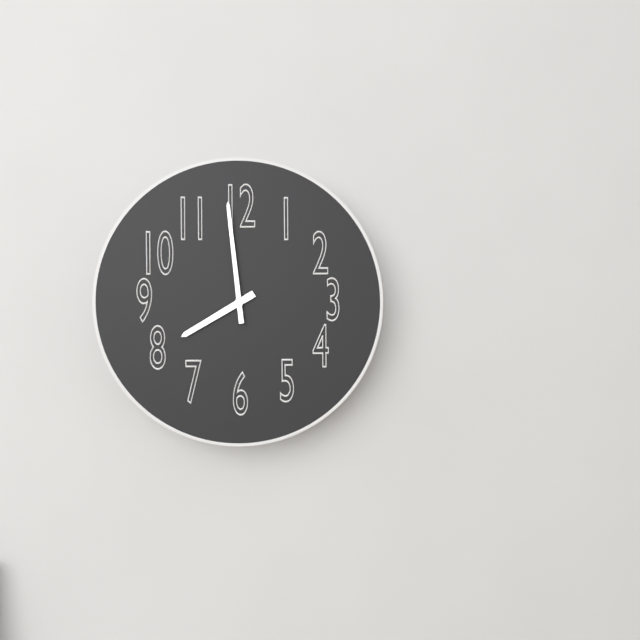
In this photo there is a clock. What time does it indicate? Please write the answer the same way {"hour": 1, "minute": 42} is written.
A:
{"hour": 7, "minute": 59}
